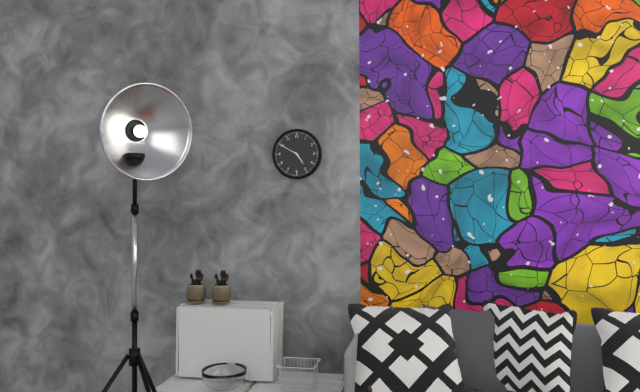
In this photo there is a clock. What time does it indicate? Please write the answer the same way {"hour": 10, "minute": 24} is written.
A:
{"hour": 4, "minute": 50}
